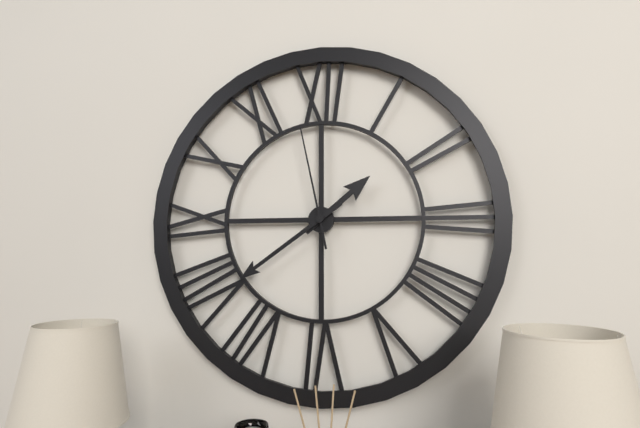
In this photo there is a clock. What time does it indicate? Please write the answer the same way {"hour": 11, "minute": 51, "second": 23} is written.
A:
{"hour": 1, "minute": 39, "second": 58}
